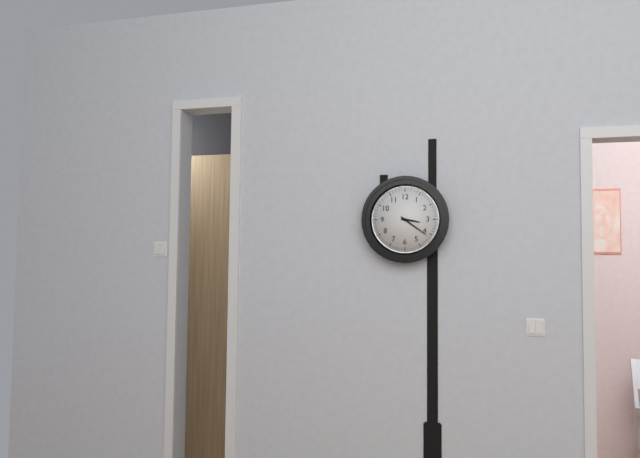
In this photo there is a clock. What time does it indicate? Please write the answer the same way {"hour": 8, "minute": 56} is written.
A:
{"hour": 3, "minute": 21}
